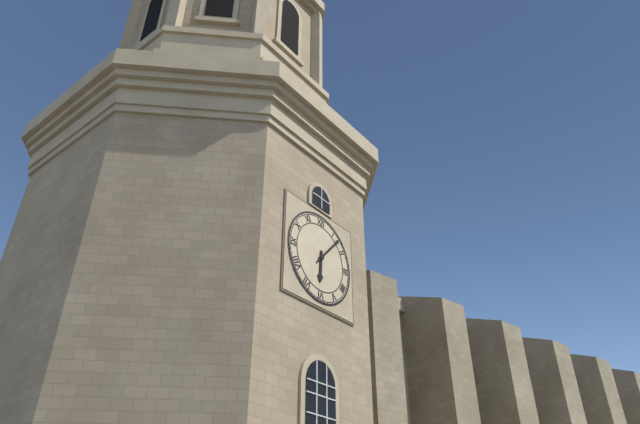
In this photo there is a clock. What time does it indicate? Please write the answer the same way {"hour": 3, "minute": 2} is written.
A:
{"hour": 6, "minute": 7}
